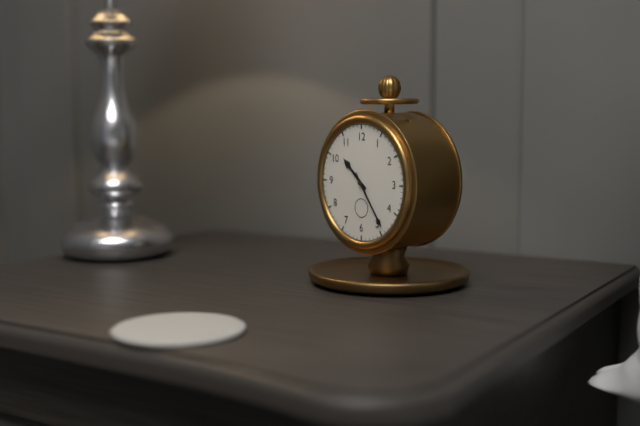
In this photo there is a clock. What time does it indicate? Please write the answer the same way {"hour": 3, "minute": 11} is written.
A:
{"hour": 10, "minute": 24}
